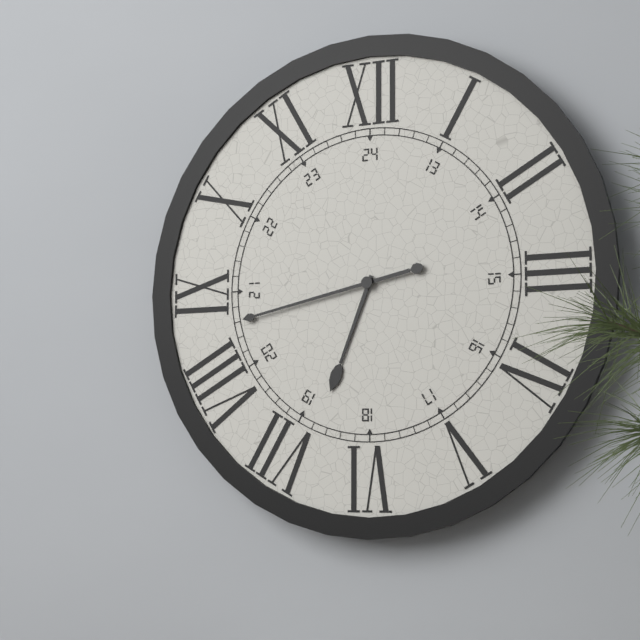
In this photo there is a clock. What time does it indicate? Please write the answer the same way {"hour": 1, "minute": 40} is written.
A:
{"hour": 6, "minute": 43}
